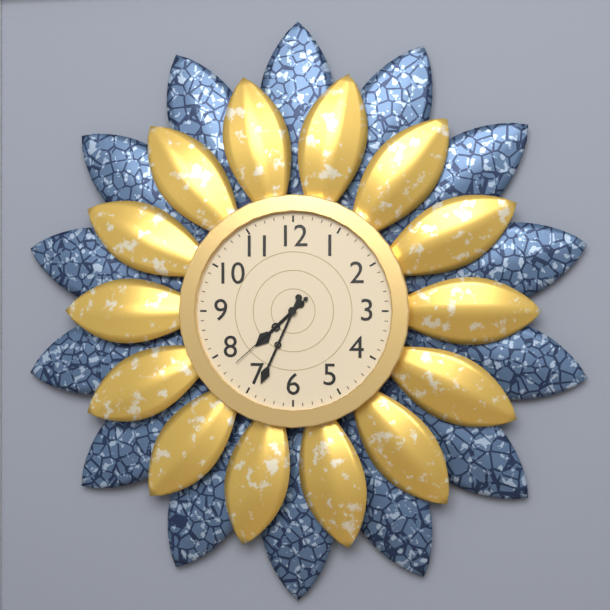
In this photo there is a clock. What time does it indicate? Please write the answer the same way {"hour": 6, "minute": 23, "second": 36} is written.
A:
{"hour": 7, "minute": 34, "second": 38}
